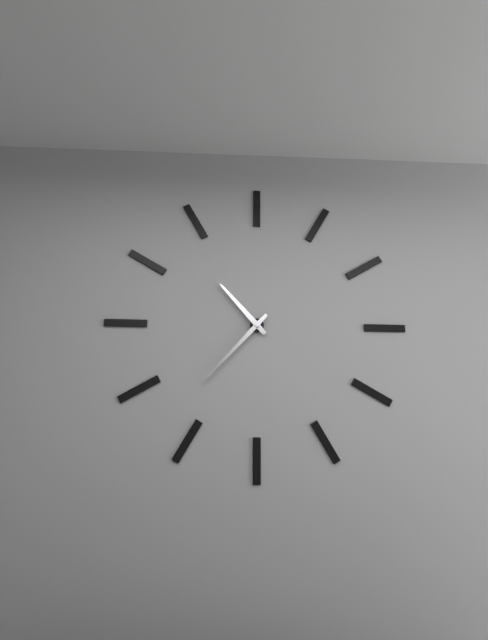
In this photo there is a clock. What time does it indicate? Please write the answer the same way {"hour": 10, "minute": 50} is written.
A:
{"hour": 10, "minute": 37}
